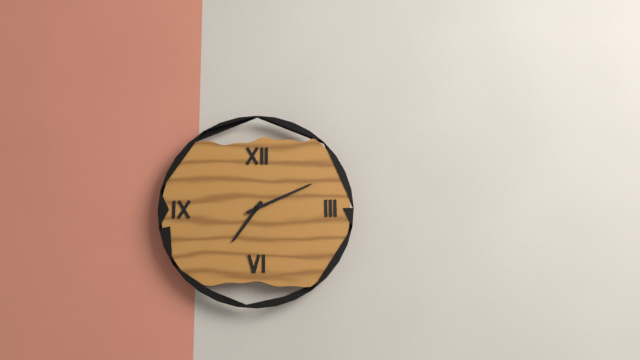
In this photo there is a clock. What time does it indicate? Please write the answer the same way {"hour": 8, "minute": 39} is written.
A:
{"hour": 7, "minute": 11}
